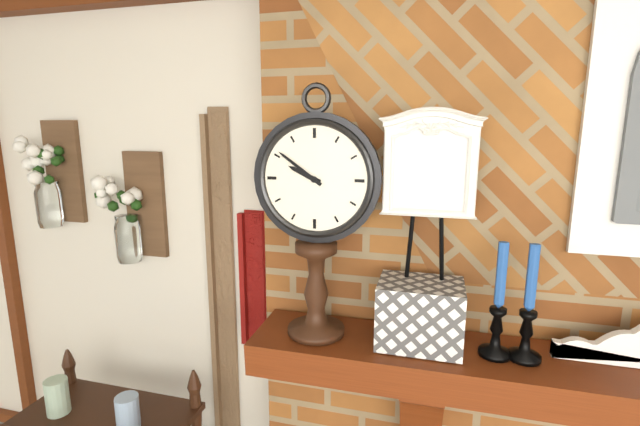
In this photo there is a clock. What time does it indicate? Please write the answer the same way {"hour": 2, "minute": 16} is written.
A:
{"hour": 9, "minute": 51}
